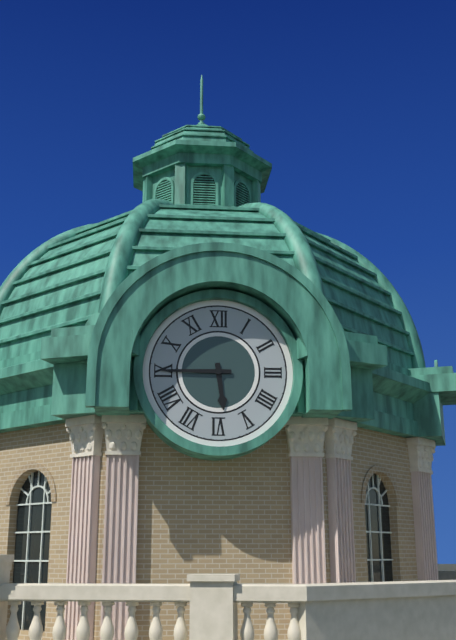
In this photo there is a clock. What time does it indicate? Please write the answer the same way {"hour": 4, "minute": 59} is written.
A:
{"hour": 5, "minute": 45}
